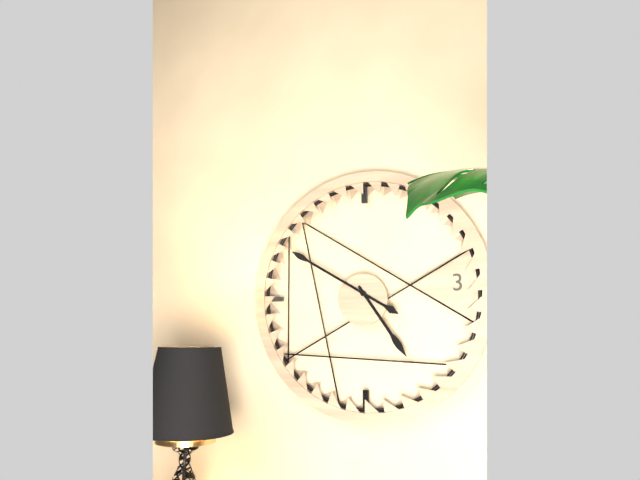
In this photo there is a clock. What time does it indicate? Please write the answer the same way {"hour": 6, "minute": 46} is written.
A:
{"hour": 4, "minute": 50}
